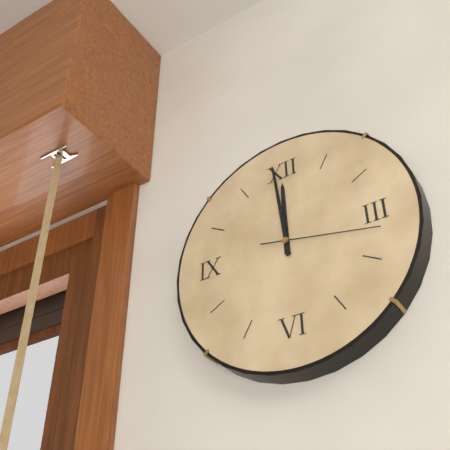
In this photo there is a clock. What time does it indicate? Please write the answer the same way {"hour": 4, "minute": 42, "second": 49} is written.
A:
{"hour": 11, "minute": 59, "second": 17}
